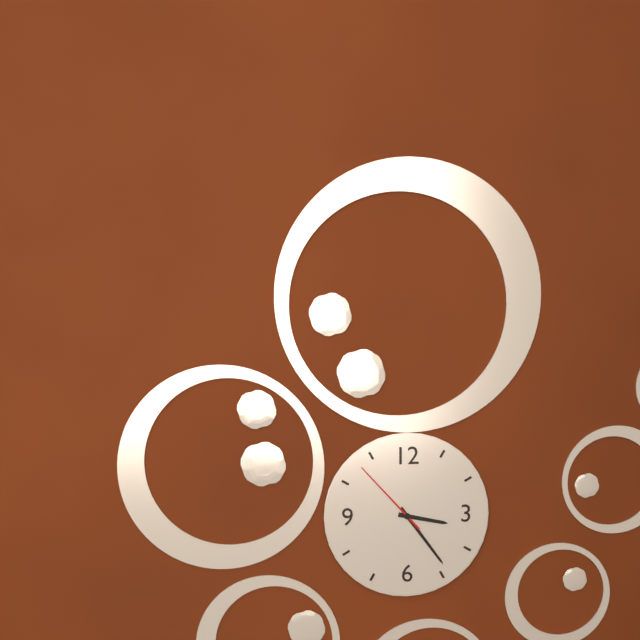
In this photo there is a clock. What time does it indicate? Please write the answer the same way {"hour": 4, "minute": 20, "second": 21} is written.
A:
{"hour": 3, "minute": 24, "second": 53}
